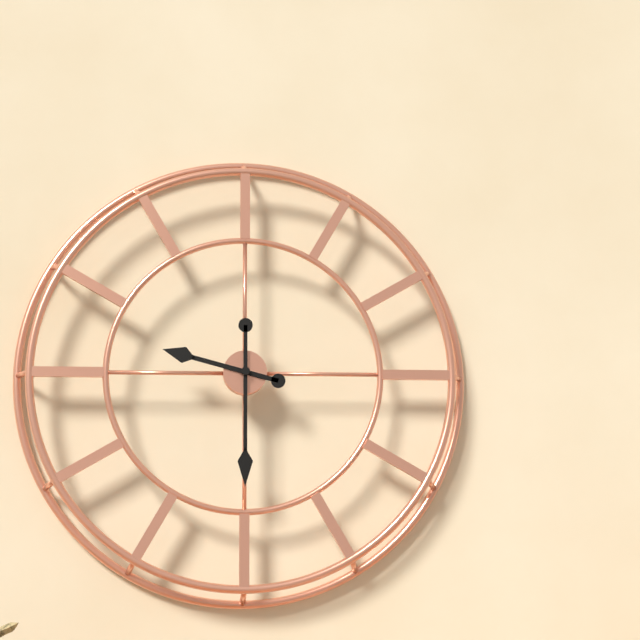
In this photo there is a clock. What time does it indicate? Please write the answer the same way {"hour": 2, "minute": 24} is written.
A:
{"hour": 9, "minute": 30}
